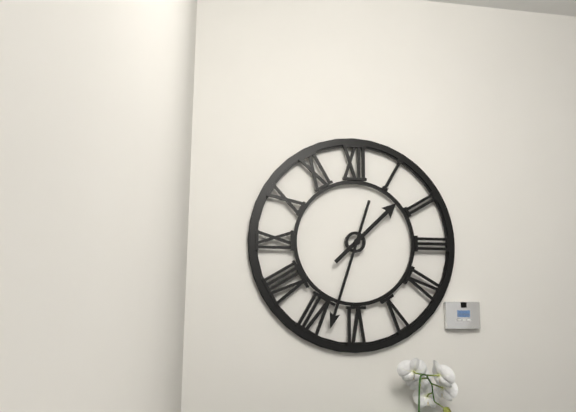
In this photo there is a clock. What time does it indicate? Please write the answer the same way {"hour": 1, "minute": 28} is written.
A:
{"hour": 1, "minute": 33}
